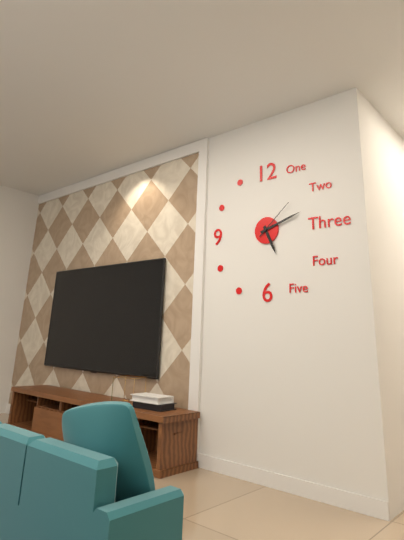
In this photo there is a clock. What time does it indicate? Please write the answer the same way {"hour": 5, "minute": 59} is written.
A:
{"hour": 5, "minute": 12}
